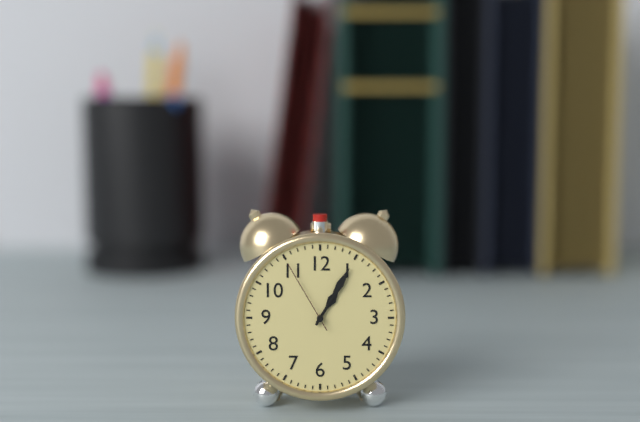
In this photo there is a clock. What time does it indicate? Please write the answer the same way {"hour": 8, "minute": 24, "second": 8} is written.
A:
{"hour": 1, "minute": 5, "second": 55}
